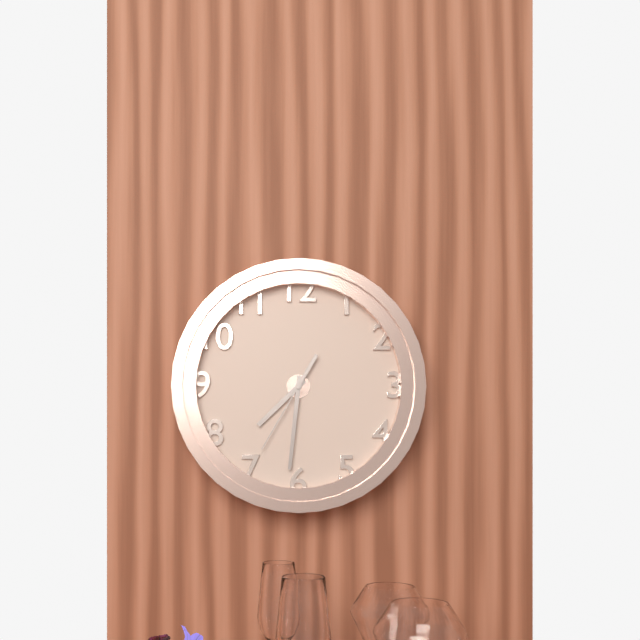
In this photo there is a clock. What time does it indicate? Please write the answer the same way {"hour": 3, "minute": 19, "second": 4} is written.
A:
{"hour": 7, "minute": 31, "second": 35}
